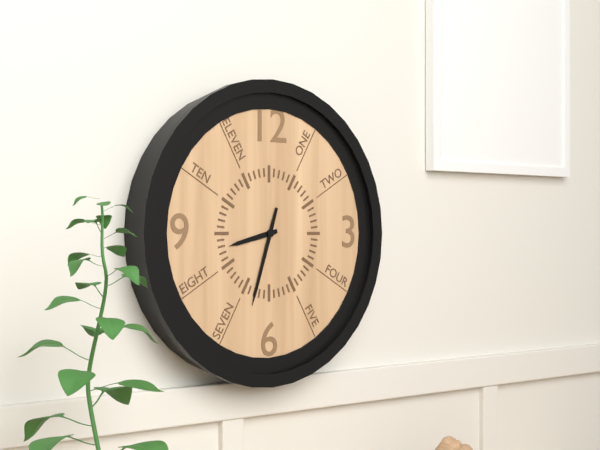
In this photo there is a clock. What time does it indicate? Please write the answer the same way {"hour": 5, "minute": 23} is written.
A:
{"hour": 8, "minute": 33}
